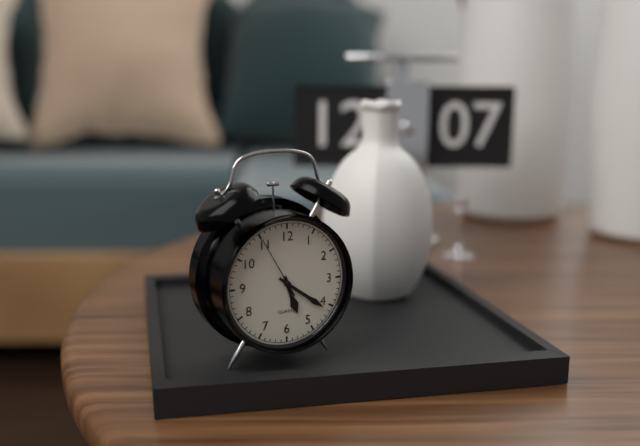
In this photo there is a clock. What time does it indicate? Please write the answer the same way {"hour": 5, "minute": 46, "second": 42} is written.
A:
{"hour": 5, "minute": 21, "second": 55}
